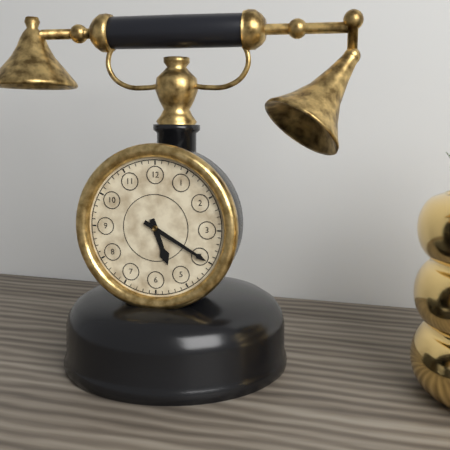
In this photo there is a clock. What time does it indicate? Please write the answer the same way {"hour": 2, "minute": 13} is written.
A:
{"hour": 5, "minute": 20}
